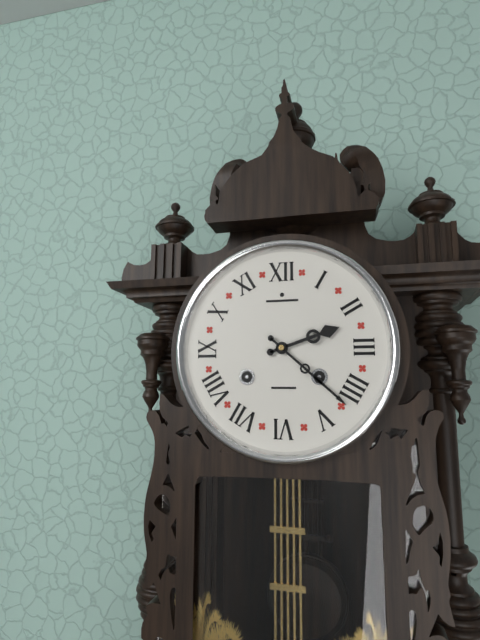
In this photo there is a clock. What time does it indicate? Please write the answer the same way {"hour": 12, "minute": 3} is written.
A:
{"hour": 2, "minute": 22}
